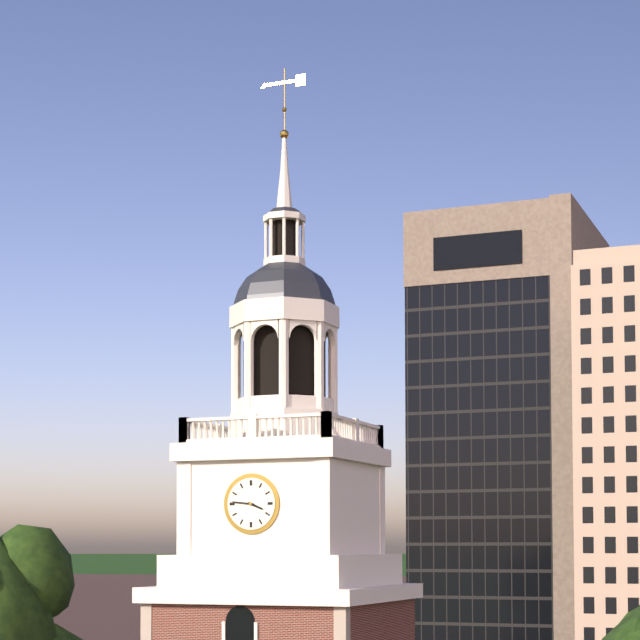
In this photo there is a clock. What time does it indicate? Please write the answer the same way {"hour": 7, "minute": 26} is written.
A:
{"hour": 3, "minute": 46}
